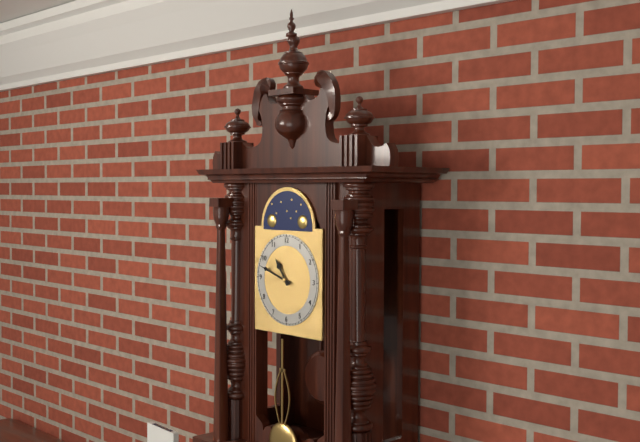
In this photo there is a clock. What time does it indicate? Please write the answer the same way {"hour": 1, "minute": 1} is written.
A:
{"hour": 10, "minute": 48}
